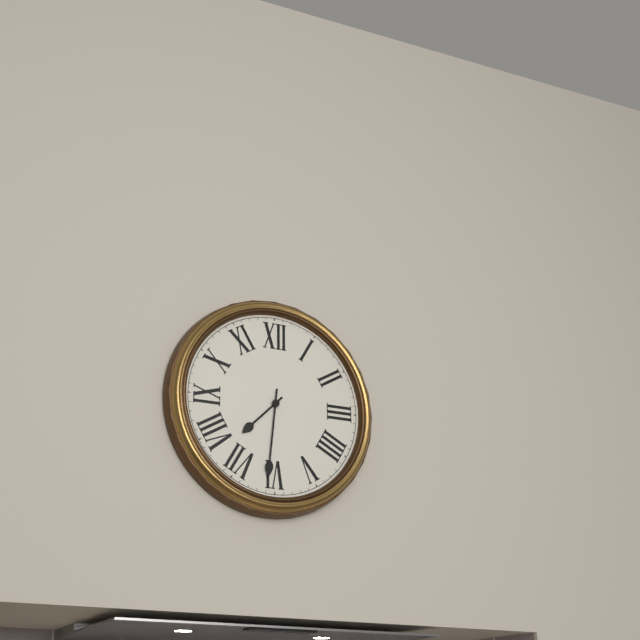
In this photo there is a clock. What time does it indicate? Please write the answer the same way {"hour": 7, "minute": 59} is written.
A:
{"hour": 7, "minute": 31}
